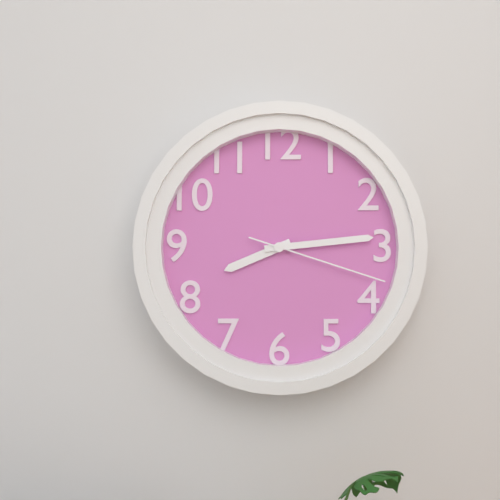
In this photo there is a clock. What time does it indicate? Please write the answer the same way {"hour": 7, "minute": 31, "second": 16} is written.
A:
{"hour": 8, "minute": 14, "second": 18}
